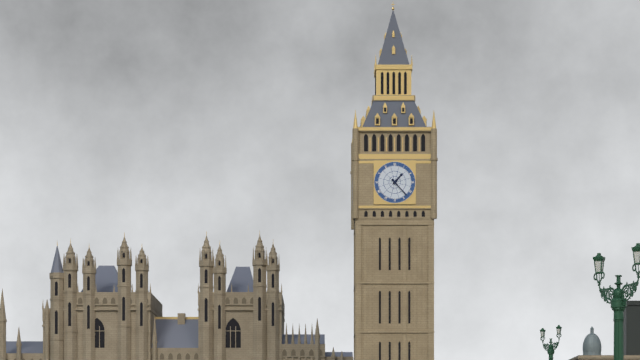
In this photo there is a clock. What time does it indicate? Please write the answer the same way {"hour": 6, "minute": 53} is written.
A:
{"hour": 1, "minute": 23}
